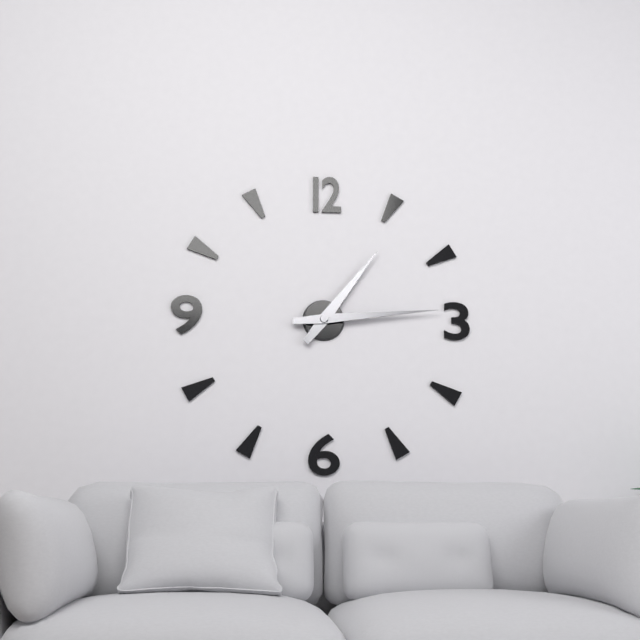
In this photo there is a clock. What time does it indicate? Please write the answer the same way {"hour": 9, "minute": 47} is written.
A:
{"hour": 1, "minute": 14}
